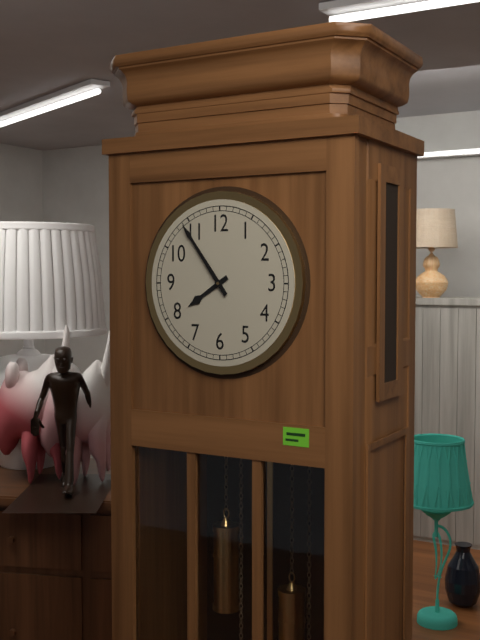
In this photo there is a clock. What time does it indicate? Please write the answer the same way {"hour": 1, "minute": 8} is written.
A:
{"hour": 7, "minute": 54}
